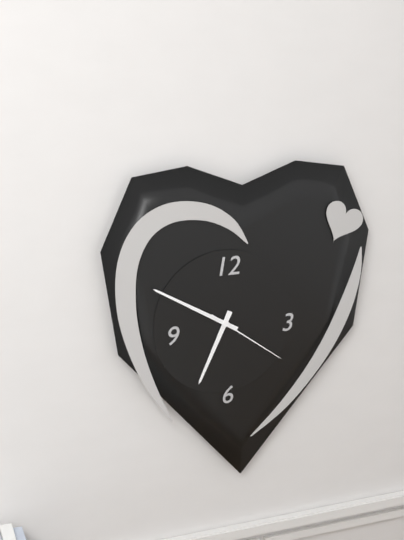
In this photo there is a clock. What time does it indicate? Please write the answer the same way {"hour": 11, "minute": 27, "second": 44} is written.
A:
{"hour": 6, "minute": 50, "second": 21}
